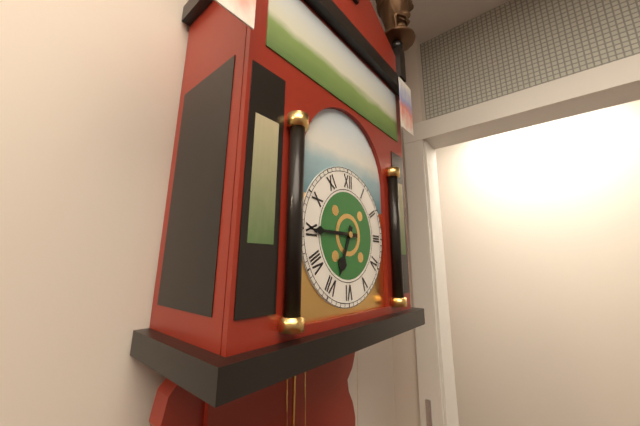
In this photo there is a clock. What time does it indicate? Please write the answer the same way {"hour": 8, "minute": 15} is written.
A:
{"hour": 6, "minute": 45}
